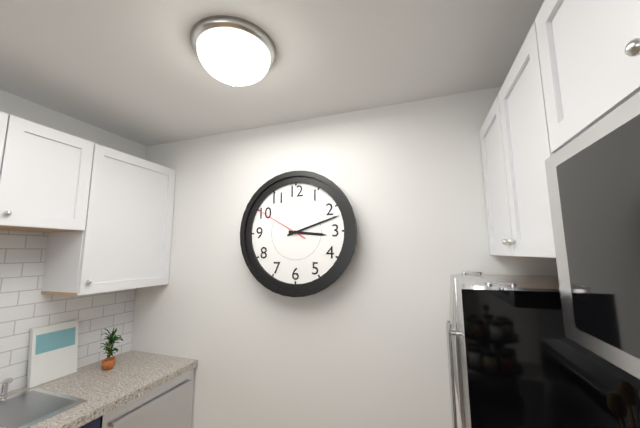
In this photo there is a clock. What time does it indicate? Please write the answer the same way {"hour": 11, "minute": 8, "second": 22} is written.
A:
{"hour": 3, "minute": 12, "second": 50}
